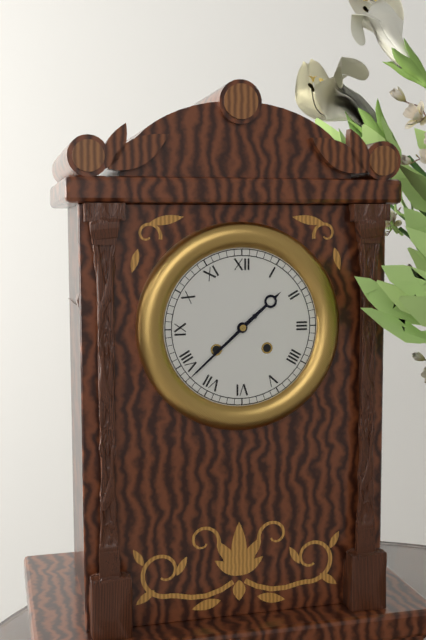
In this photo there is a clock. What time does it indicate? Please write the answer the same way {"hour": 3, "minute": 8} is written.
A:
{"hour": 1, "minute": 38}
